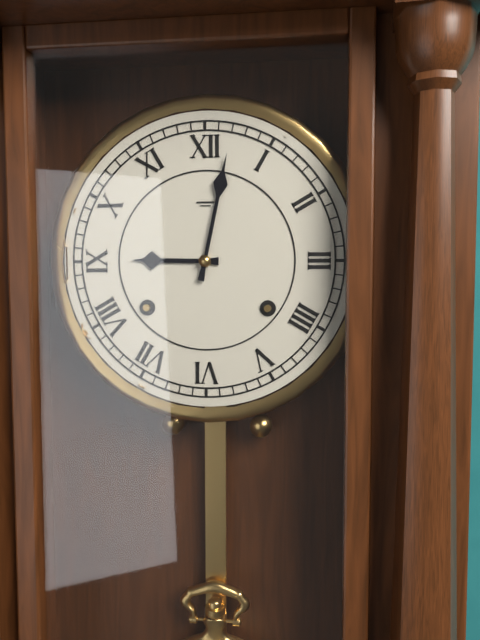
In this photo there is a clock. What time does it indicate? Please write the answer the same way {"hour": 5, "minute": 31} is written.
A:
{"hour": 9, "minute": 2}
